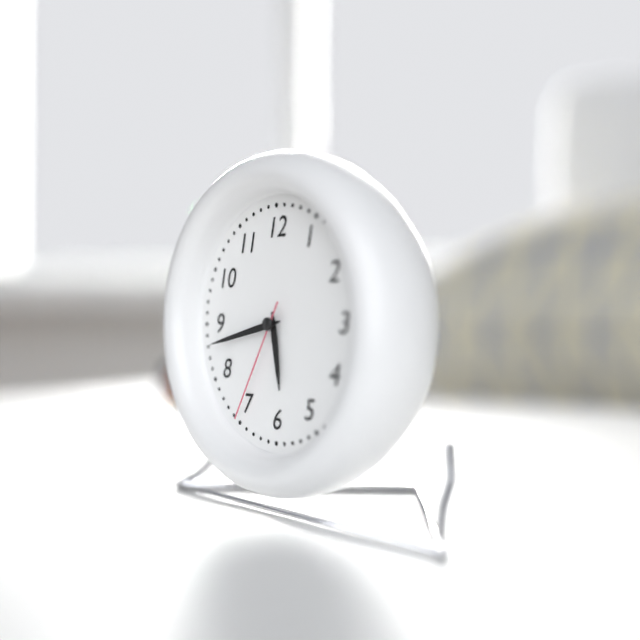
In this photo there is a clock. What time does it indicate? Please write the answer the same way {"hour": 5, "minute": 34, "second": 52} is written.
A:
{"hour": 5, "minute": 43, "second": 35}
